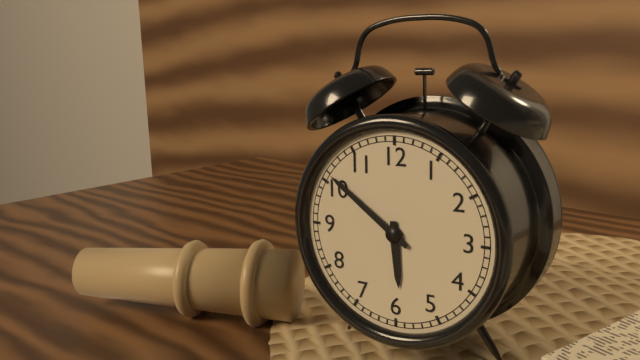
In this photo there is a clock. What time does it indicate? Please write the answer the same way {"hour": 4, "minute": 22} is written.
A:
{"hour": 5, "minute": 51}
